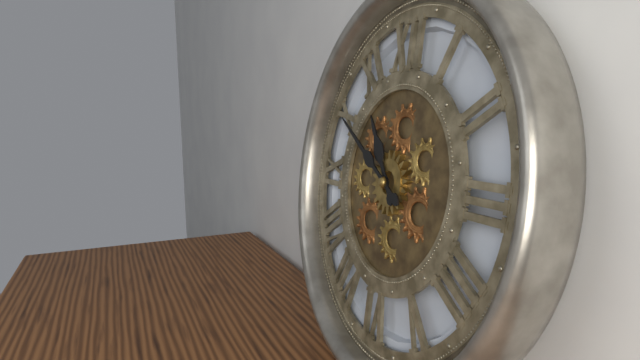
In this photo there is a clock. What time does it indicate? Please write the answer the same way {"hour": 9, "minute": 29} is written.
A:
{"hour": 10, "minute": 50}
